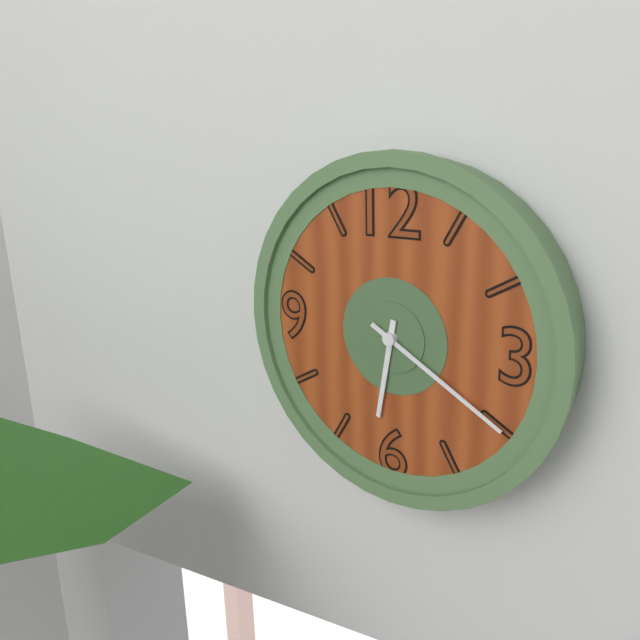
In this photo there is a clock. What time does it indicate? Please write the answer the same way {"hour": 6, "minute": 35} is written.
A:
{"hour": 6, "minute": 20}
